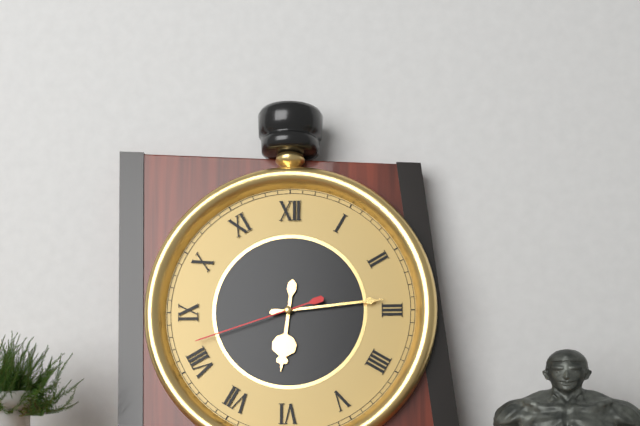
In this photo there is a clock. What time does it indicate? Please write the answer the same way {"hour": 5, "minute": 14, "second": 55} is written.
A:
{"hour": 6, "minute": 14, "second": 42}
